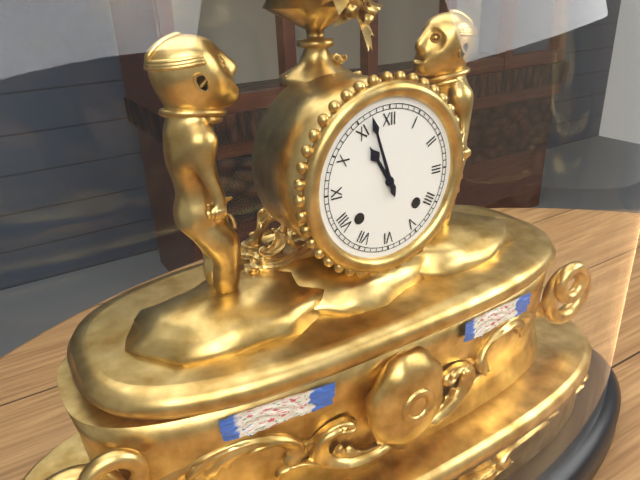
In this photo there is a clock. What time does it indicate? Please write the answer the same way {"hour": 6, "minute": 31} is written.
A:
{"hour": 10, "minute": 57}
